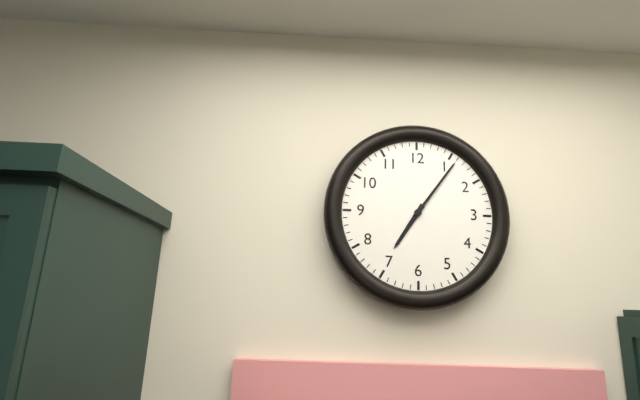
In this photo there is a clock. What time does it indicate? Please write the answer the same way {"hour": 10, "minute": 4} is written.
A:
{"hour": 7, "minute": 6}
